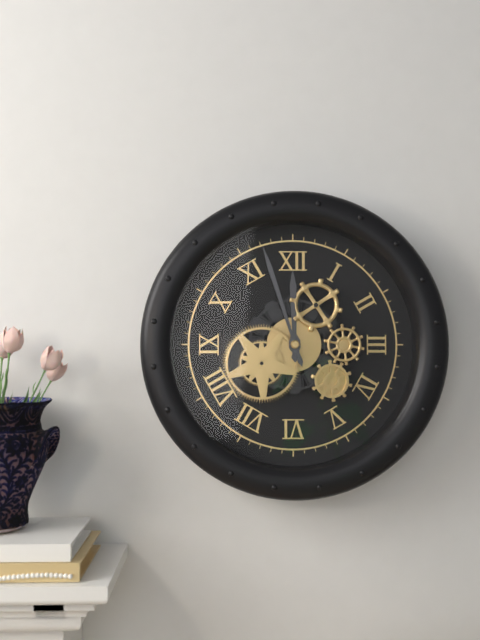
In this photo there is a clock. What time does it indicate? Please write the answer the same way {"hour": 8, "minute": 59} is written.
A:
{"hour": 11, "minute": 57}
